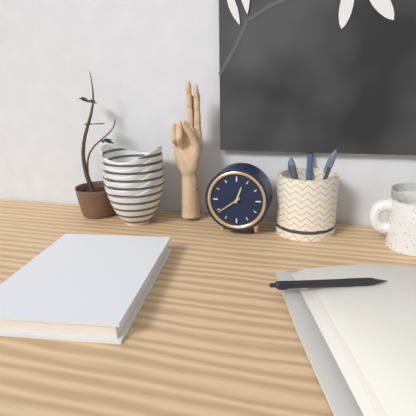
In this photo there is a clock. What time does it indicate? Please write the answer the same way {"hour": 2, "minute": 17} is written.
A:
{"hour": 12, "minute": 39}
